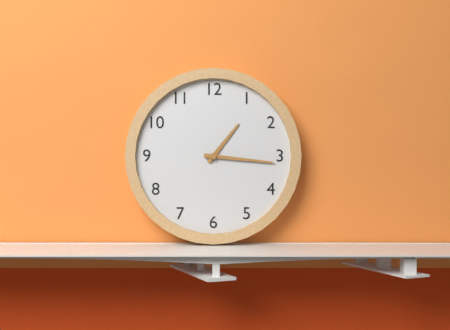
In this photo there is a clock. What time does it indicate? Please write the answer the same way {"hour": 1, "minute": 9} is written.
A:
{"hour": 1, "minute": 16}
